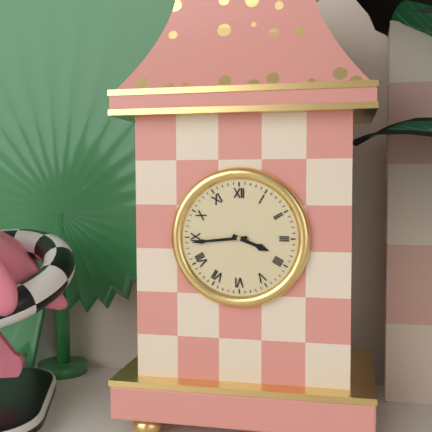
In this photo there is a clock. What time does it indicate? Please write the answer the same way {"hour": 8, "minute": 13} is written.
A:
{"hour": 3, "minute": 44}
